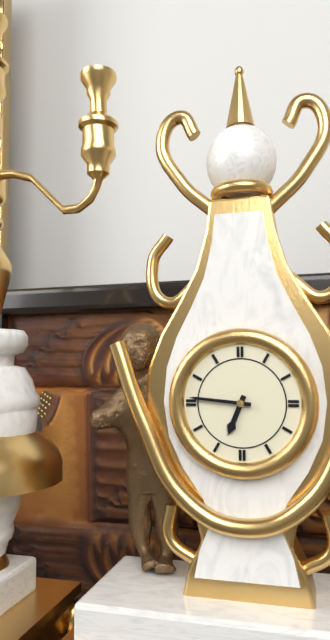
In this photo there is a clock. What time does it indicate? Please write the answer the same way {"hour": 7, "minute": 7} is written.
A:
{"hour": 6, "minute": 46}
